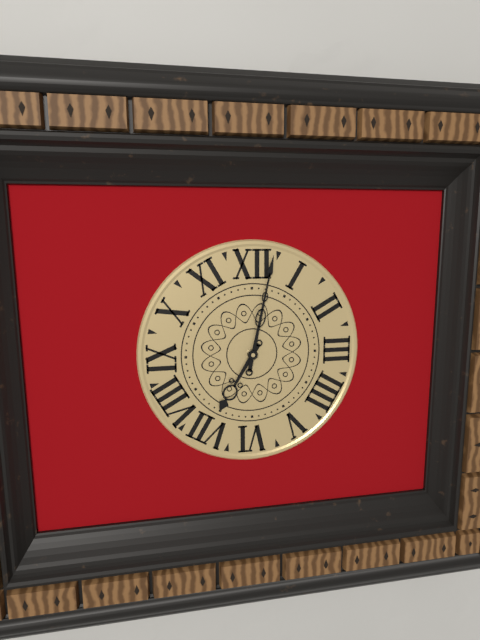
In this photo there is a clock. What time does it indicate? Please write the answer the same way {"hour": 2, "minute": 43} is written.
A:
{"hour": 7, "minute": 2}
